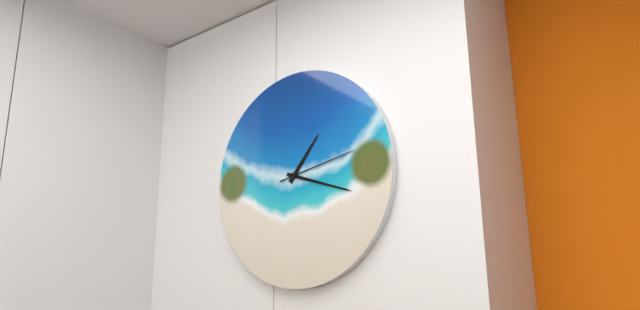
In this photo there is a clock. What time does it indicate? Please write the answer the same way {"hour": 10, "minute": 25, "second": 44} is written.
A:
{"hour": 1, "minute": 18, "second": 13}
